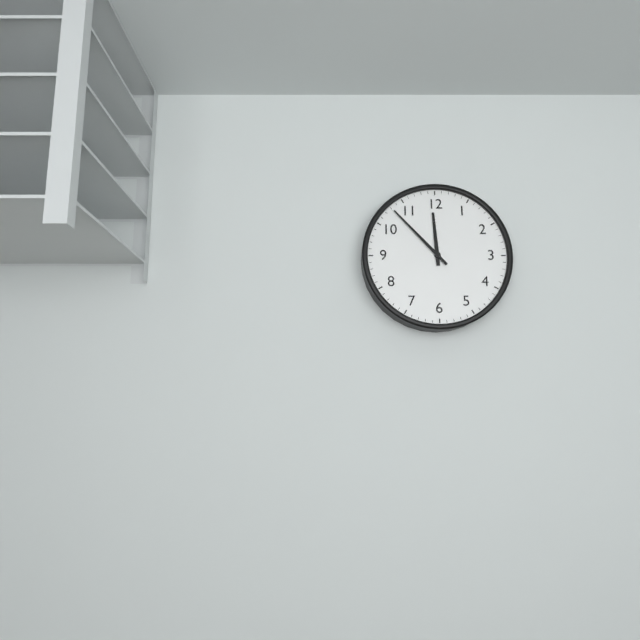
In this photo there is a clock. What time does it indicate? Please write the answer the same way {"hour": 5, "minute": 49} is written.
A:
{"hour": 11, "minute": 53}
